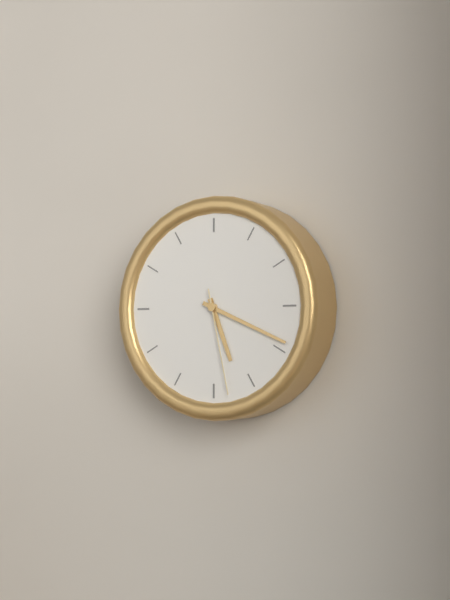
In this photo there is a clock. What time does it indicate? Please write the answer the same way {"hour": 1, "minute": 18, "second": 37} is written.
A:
{"hour": 5, "minute": 19, "second": 28}
